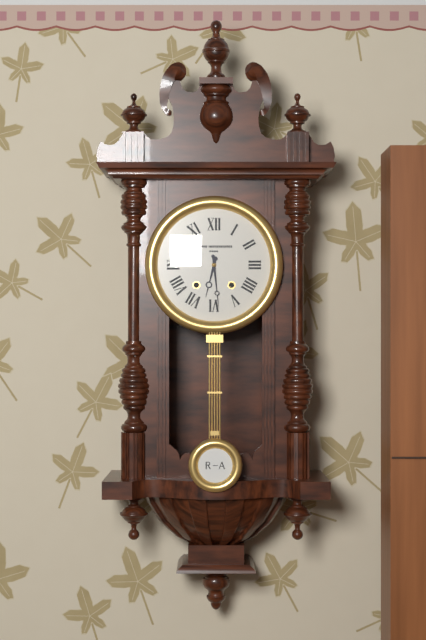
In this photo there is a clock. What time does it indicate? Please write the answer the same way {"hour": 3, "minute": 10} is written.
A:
{"hour": 6, "minute": 29}
